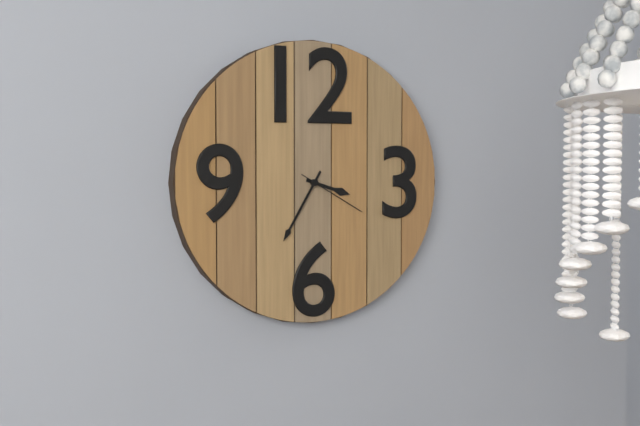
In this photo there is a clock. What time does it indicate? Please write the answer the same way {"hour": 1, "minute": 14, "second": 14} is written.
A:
{"hour": 3, "minute": 35, "second": 20}
